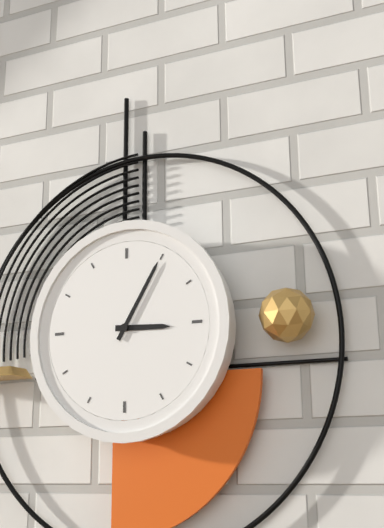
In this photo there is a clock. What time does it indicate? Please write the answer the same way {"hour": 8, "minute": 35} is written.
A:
{"hour": 3, "minute": 5}
